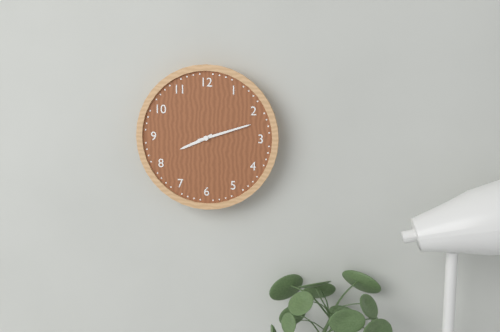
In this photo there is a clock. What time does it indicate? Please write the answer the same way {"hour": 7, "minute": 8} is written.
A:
{"hour": 8, "minute": 12}
